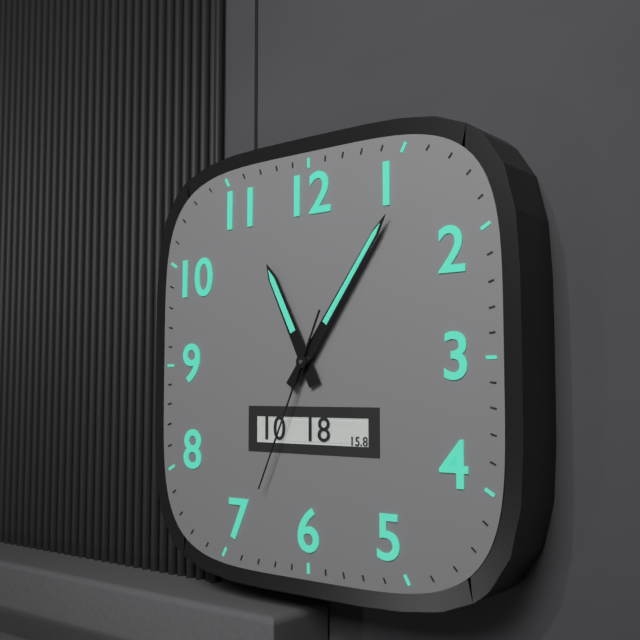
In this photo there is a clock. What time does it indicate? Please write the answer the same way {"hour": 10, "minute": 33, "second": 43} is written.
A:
{"hour": 11, "minute": 6, "second": 34}
